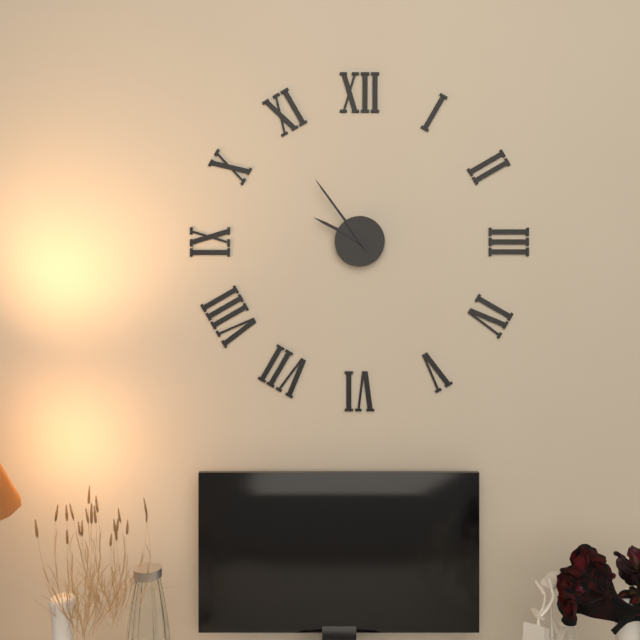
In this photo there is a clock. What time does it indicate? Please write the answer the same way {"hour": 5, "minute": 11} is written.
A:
{"hour": 9, "minute": 54}
